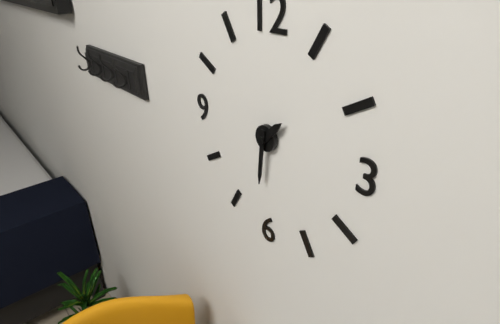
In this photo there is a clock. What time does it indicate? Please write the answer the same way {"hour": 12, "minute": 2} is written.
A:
{"hour": 1, "minute": 31}
